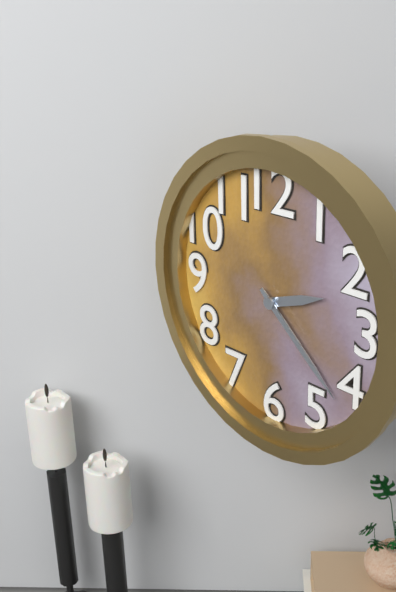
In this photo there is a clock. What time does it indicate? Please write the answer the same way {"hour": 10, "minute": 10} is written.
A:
{"hour": 2, "minute": 22}
